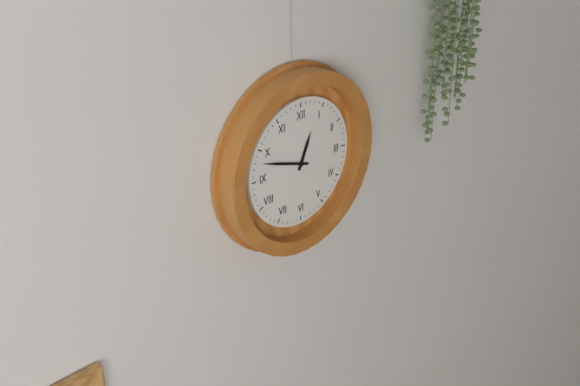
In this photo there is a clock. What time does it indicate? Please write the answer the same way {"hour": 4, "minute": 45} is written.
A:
{"hour": 12, "minute": 48}
